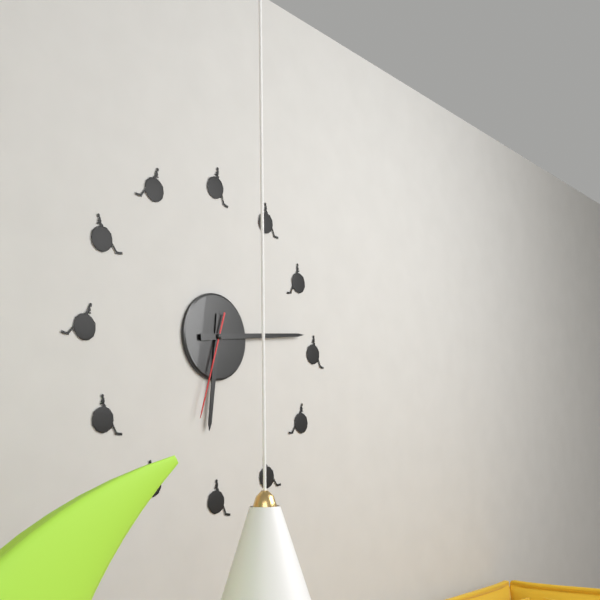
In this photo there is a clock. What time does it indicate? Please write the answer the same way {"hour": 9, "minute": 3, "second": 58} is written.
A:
{"hour": 6, "minute": 14, "second": 33}
